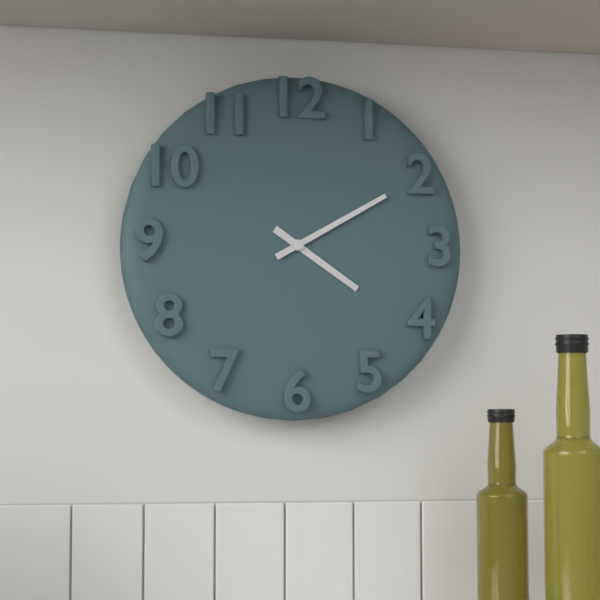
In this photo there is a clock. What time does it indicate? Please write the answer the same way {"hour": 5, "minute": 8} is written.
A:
{"hour": 4, "minute": 10}
